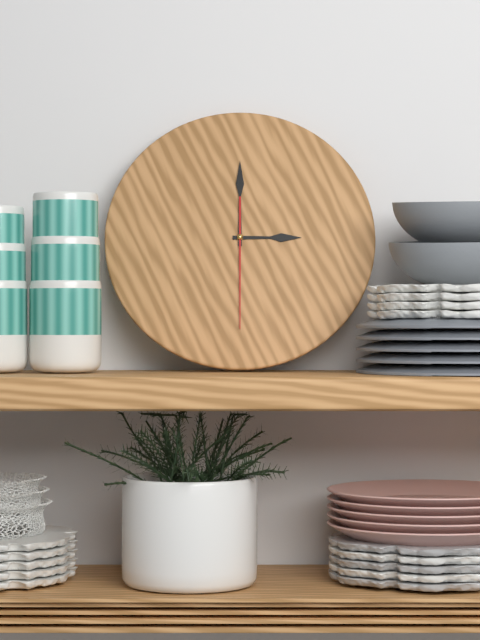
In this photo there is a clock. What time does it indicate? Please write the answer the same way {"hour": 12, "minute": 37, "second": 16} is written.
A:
{"hour": 3, "minute": 0, "second": 30}
